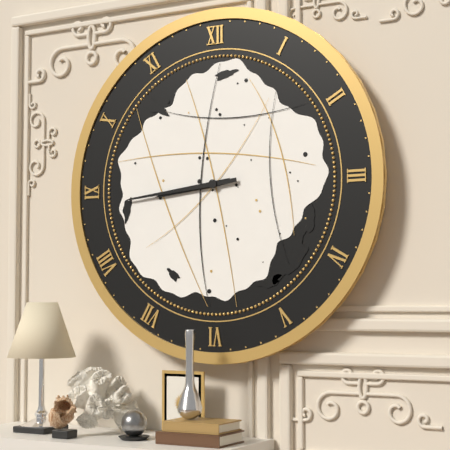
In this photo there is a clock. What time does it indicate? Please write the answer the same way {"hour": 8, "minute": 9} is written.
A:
{"hour": 8, "minute": 44}
